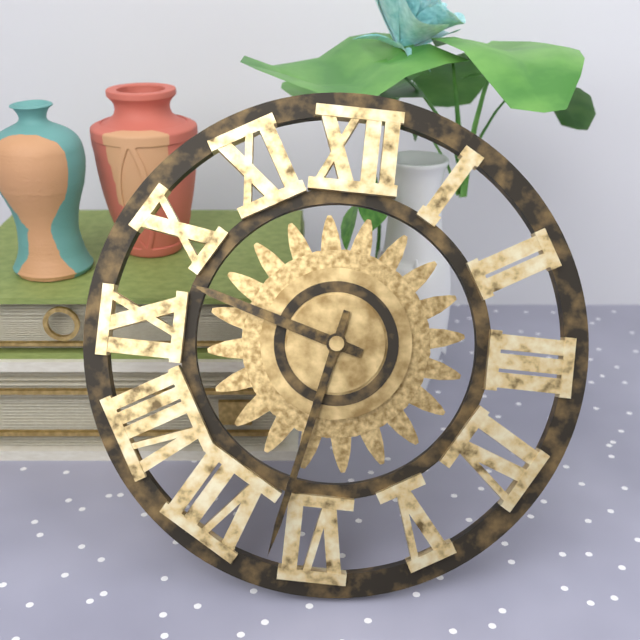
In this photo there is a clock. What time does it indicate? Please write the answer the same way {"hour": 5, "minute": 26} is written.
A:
{"hour": 9, "minute": 32}
